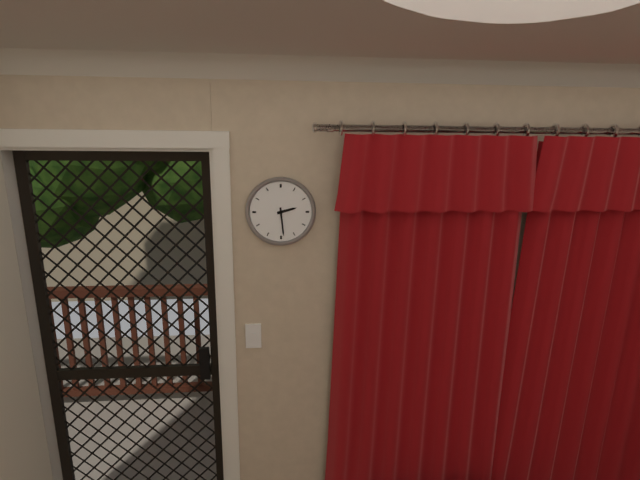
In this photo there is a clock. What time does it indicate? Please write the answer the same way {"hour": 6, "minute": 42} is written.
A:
{"hour": 2, "minute": 29}
